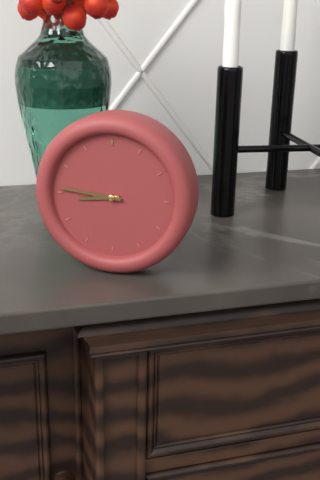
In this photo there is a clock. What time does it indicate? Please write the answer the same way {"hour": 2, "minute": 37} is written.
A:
{"hour": 8, "minute": 46}
